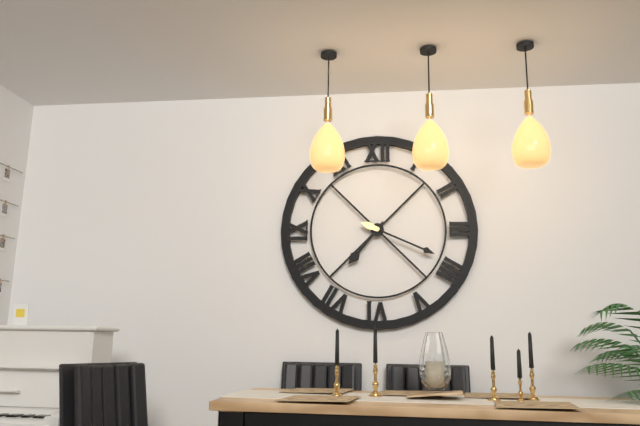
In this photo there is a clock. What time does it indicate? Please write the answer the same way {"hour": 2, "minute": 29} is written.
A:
{"hour": 7, "minute": 19}
